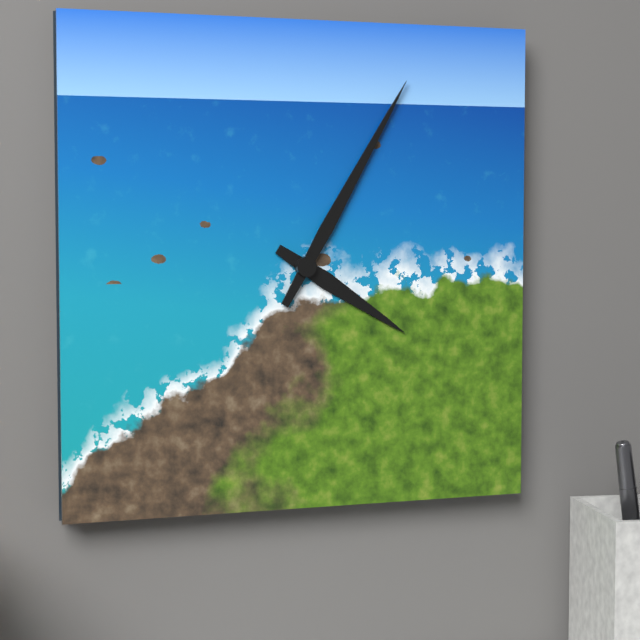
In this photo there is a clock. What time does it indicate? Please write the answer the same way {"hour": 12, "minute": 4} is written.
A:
{"hour": 4, "minute": 5}
